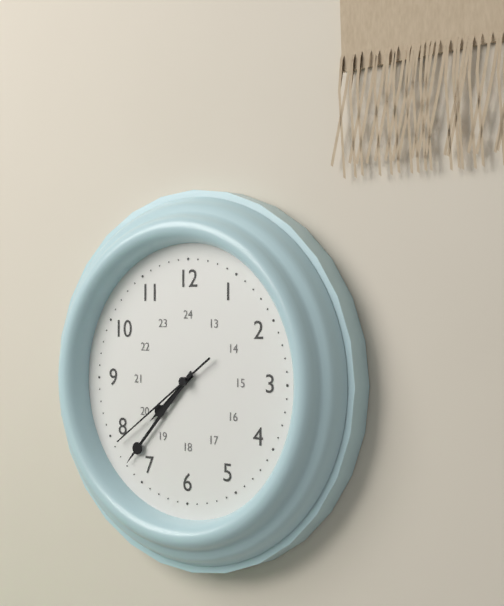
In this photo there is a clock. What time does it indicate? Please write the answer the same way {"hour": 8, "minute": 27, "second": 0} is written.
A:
{"hour": 7, "minute": 37, "second": 39}
